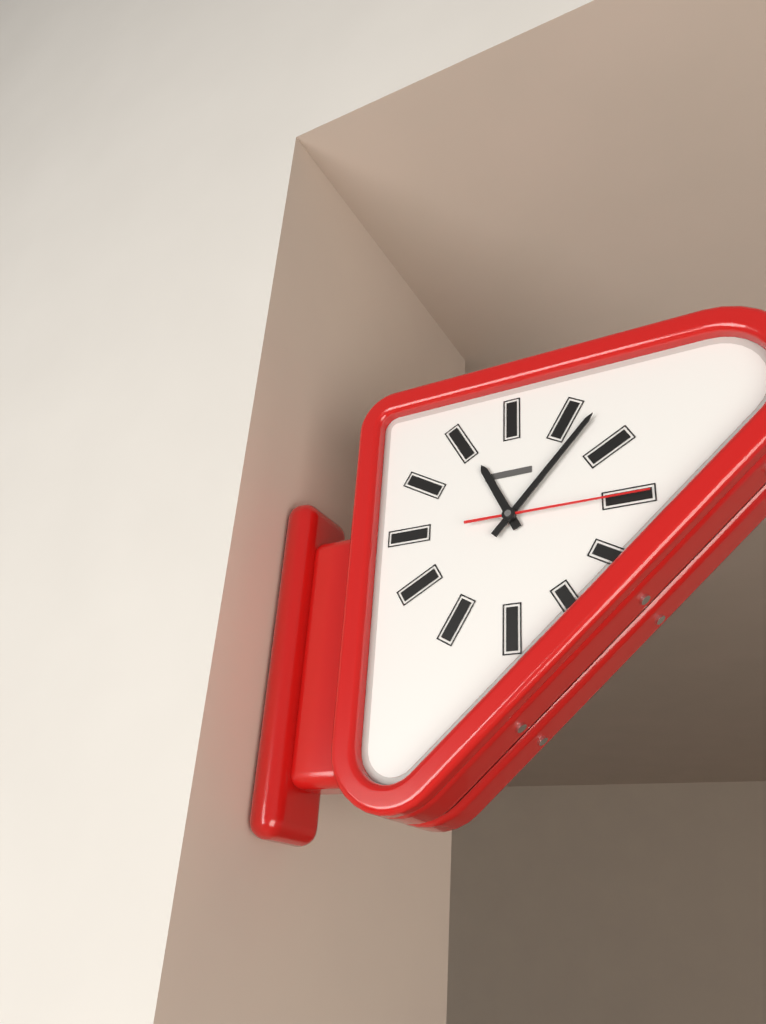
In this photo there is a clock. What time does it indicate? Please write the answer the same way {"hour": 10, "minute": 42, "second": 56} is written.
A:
{"hour": 11, "minute": 7, "second": 15}
